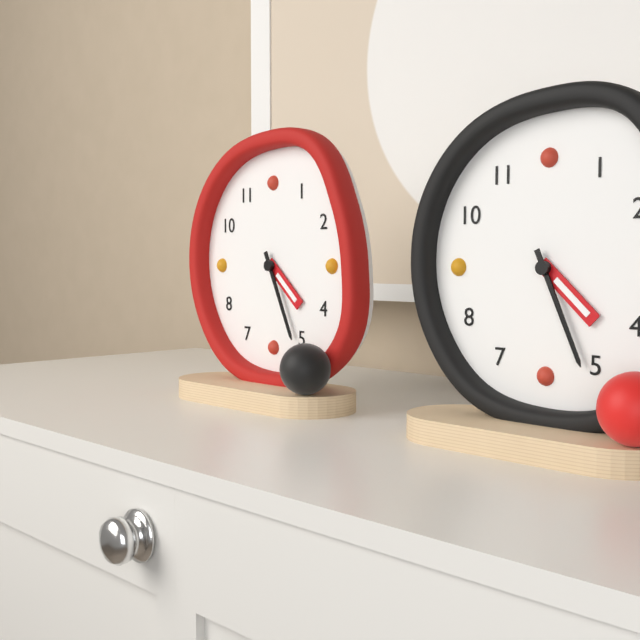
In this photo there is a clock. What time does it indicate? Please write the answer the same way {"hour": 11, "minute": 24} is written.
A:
{"hour": 4, "minute": 26}
